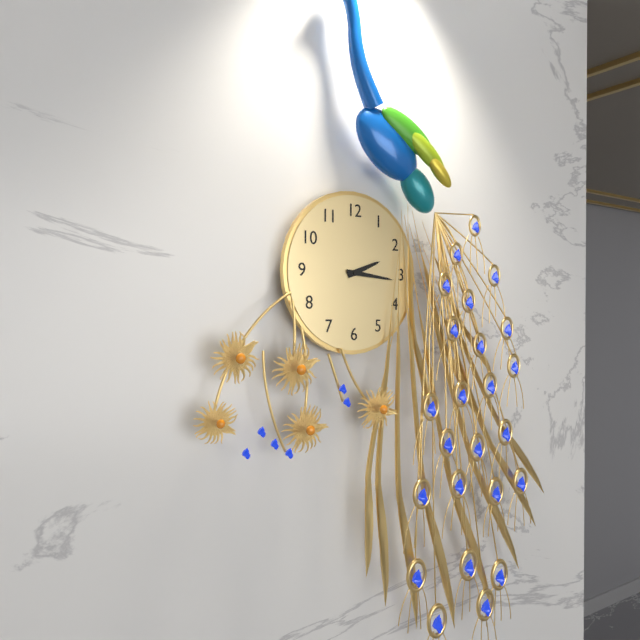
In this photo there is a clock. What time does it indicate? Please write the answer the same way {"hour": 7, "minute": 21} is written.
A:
{"hour": 2, "minute": 16}
